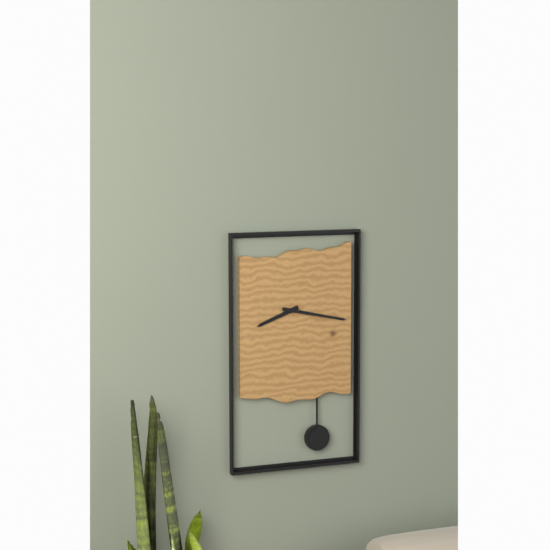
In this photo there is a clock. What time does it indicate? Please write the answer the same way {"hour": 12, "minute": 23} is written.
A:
{"hour": 8, "minute": 17}
